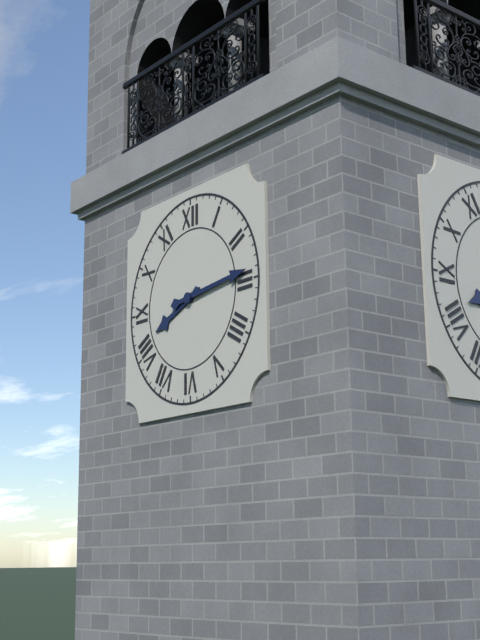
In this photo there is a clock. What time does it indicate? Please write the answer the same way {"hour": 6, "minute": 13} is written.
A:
{"hour": 8, "minute": 14}
